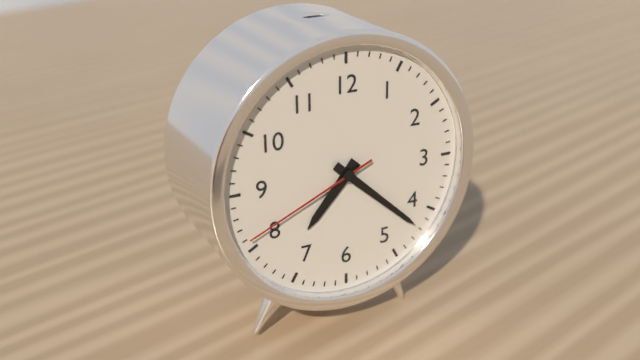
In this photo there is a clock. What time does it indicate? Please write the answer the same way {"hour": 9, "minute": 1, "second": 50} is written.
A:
{"hour": 7, "minute": 22, "second": 41}
